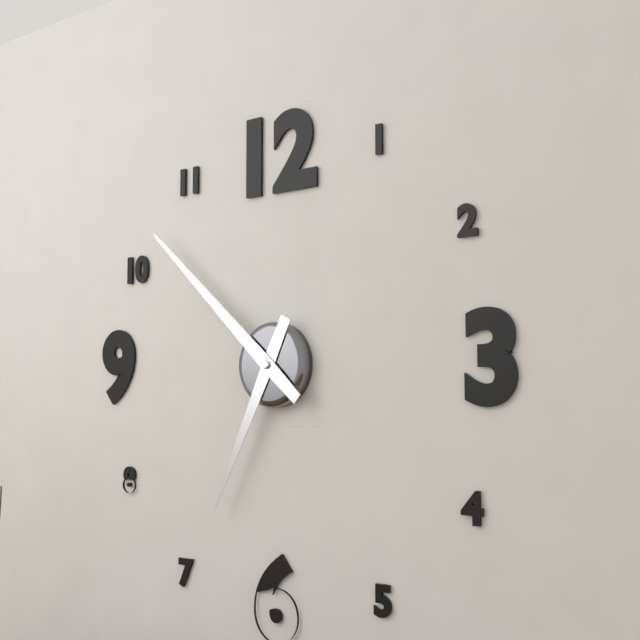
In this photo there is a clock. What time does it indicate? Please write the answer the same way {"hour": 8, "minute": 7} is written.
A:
{"hour": 6, "minute": 52}
